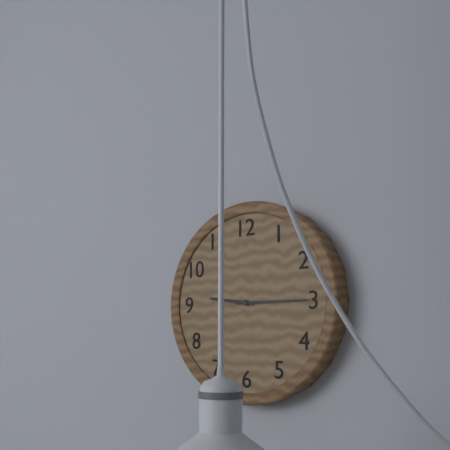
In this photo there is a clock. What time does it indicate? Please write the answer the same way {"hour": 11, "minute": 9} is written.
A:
{"hour": 9, "minute": 15}
